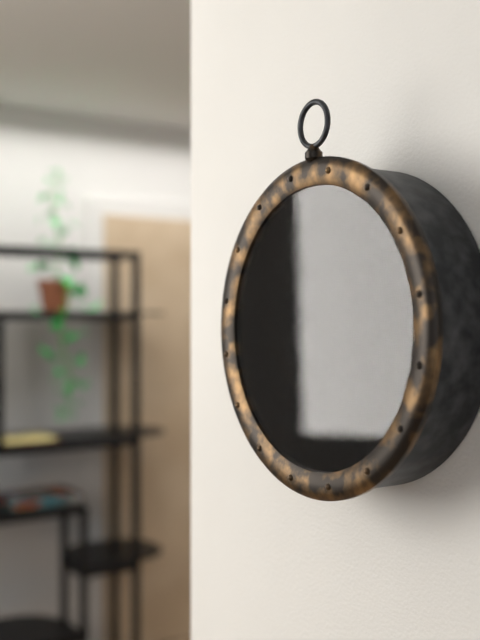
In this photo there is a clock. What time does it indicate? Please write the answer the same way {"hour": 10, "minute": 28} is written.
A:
{"hour": 7, "minute": 5}
